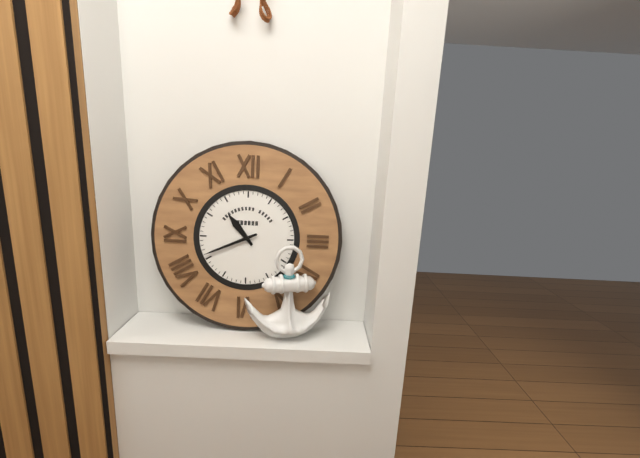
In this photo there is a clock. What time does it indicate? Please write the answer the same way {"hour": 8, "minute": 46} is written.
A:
{"hour": 10, "minute": 41}
